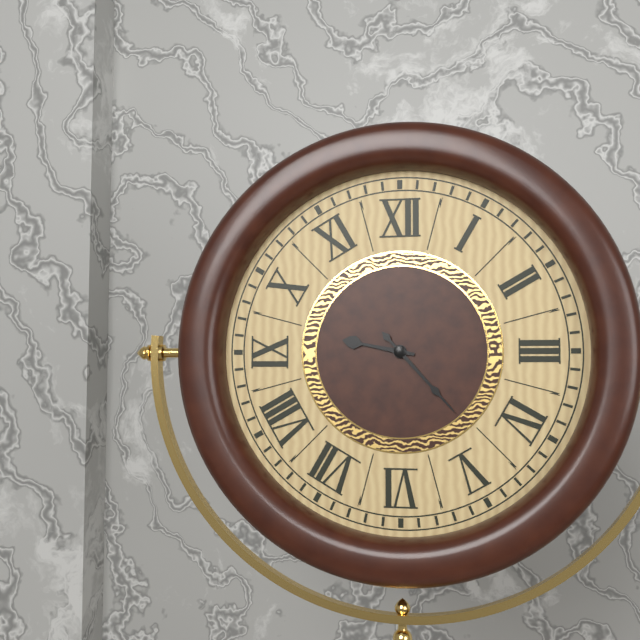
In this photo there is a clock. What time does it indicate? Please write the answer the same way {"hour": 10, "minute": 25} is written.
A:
{"hour": 9, "minute": 23}
